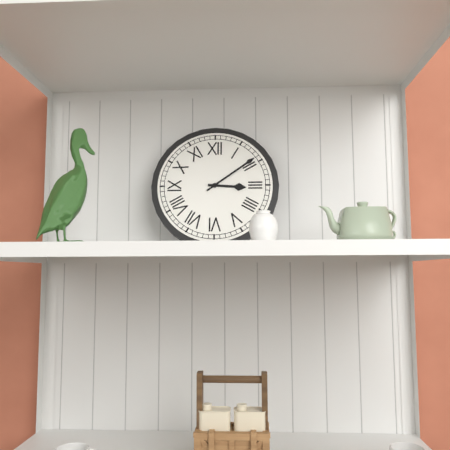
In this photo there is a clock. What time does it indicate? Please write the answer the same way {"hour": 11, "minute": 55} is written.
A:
{"hour": 3, "minute": 9}
